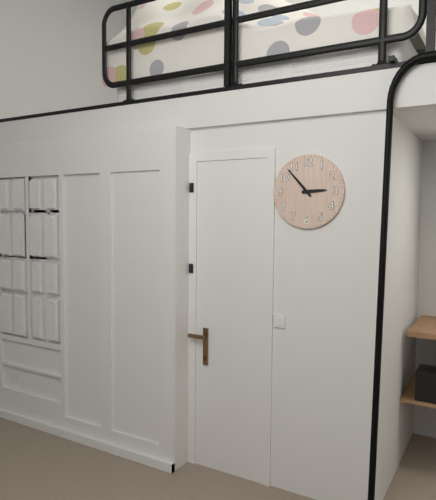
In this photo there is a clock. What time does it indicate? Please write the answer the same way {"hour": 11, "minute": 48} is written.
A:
{"hour": 2, "minute": 53}
